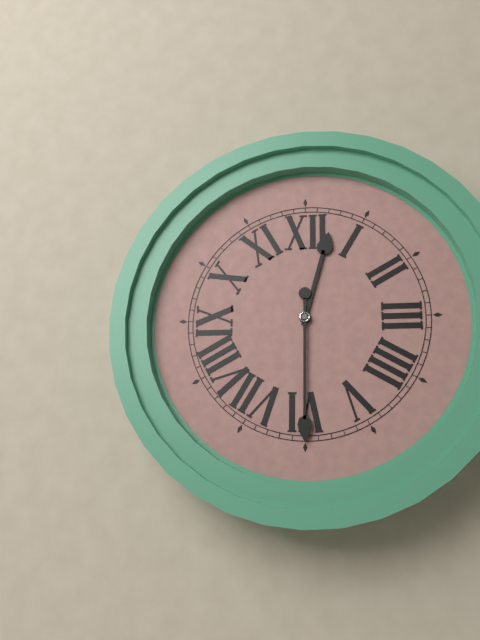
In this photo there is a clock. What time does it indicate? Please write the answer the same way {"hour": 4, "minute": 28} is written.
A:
{"hour": 12, "minute": 30}
